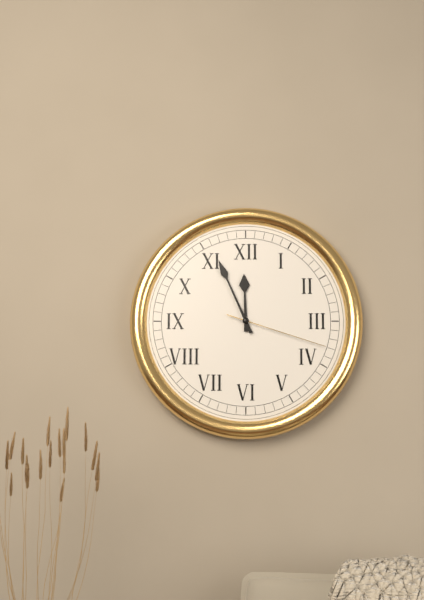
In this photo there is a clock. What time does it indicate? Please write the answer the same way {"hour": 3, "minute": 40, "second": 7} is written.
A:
{"hour": 11, "minute": 56, "second": 18}
